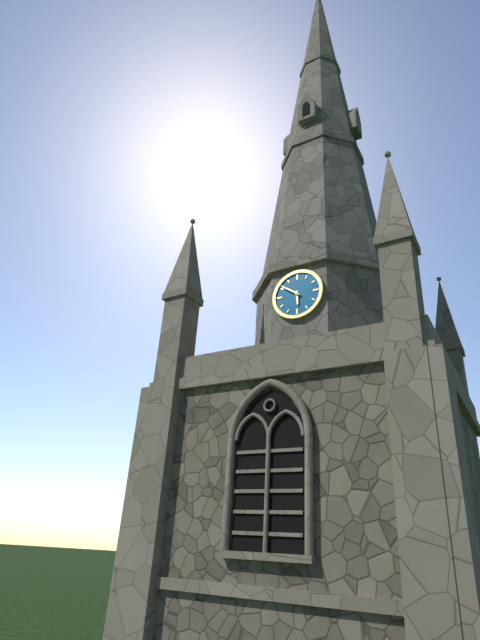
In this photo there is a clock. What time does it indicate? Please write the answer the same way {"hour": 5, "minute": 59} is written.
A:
{"hour": 5, "minute": 51}
